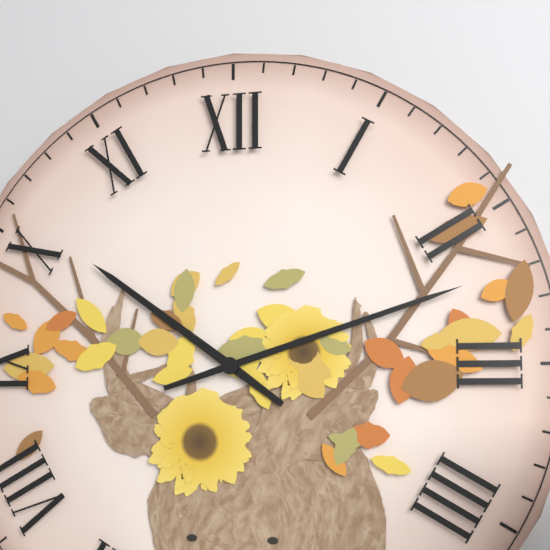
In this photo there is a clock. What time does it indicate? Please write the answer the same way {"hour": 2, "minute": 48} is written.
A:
{"hour": 10, "minute": 12}
